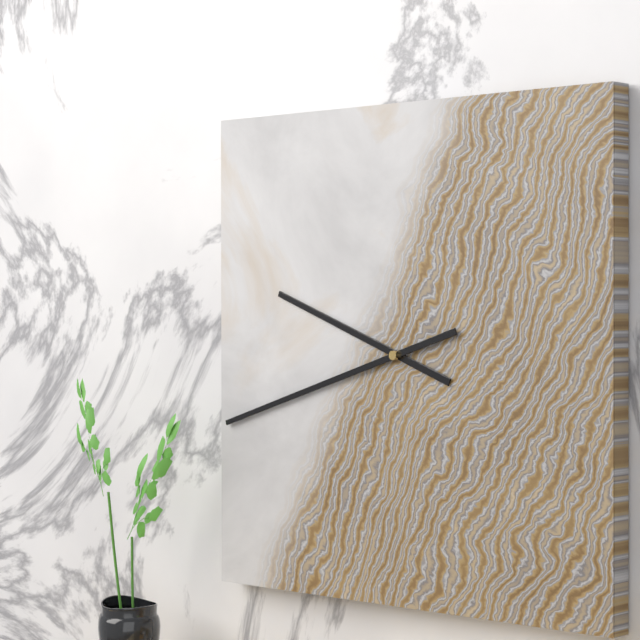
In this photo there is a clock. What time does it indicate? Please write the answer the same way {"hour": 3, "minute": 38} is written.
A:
{"hour": 9, "minute": 42}
